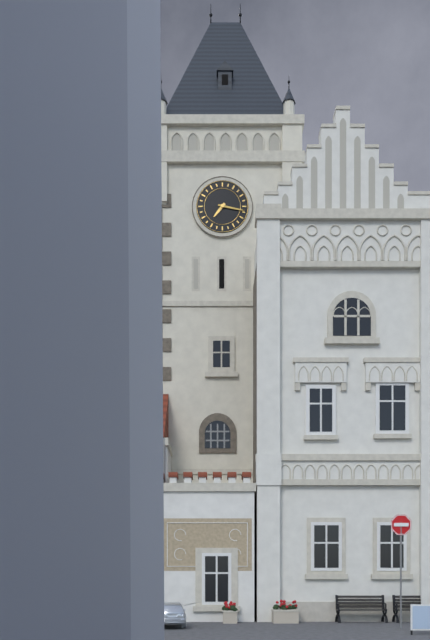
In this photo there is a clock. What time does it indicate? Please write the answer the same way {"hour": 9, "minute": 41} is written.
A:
{"hour": 7, "minute": 17}
